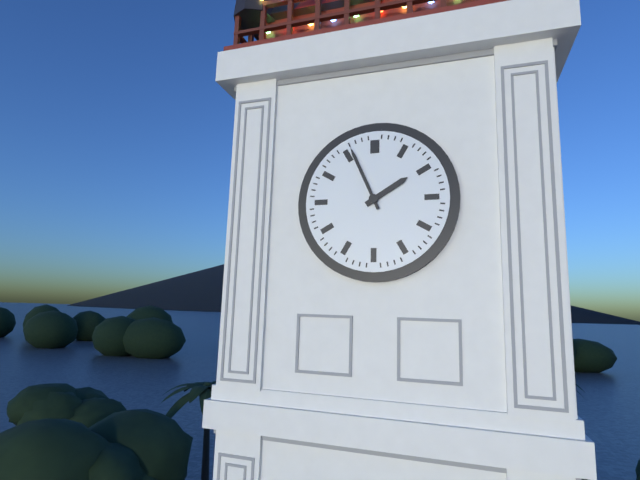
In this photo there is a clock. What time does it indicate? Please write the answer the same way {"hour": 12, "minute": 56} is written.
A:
{"hour": 1, "minute": 56}
